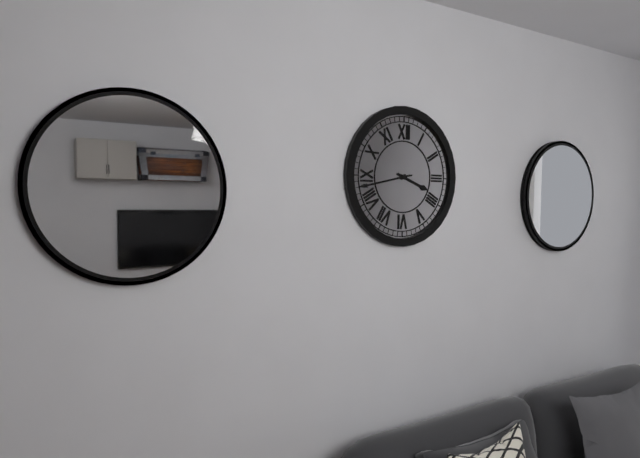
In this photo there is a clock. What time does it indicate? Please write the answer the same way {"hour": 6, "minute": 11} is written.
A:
{"hour": 3, "minute": 43}
